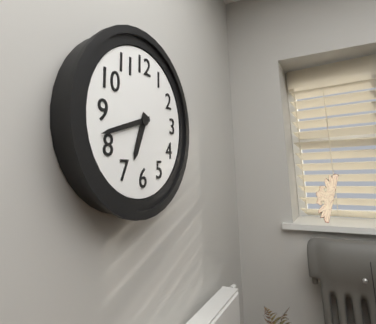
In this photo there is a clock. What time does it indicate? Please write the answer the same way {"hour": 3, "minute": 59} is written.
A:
{"hour": 6, "minute": 42}
